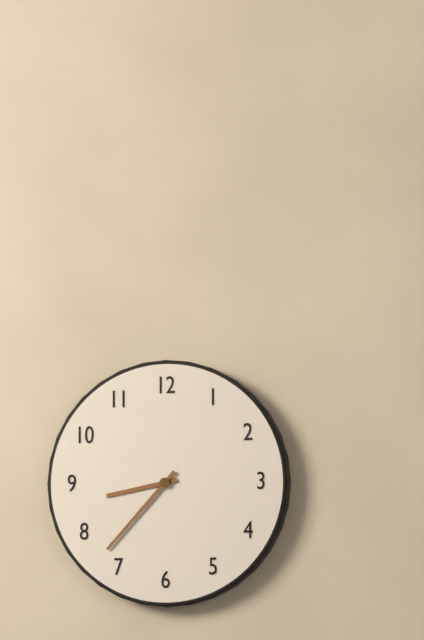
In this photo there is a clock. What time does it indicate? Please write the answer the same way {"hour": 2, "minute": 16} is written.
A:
{"hour": 8, "minute": 37}
